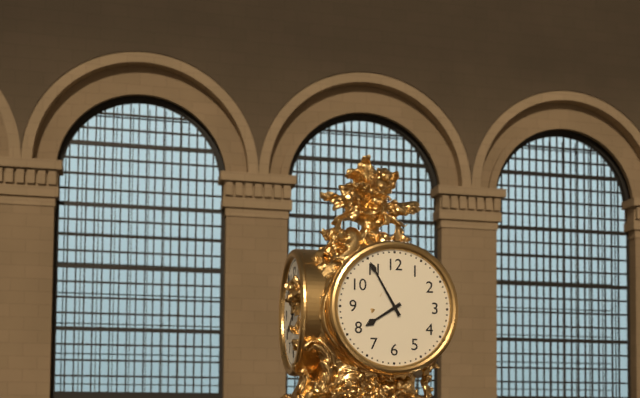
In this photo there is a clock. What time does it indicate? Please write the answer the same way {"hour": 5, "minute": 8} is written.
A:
{"hour": 7, "minute": 55}
